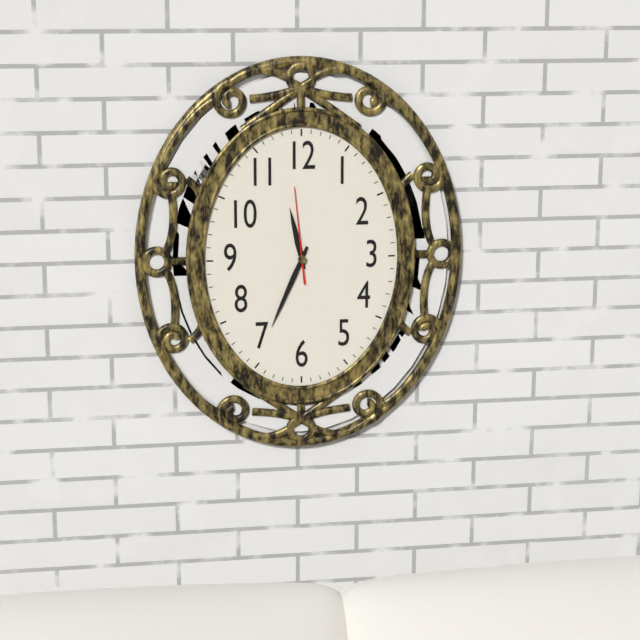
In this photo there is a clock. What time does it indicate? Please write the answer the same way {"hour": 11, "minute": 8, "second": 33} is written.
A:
{"hour": 11, "minute": 34, "second": 59}
